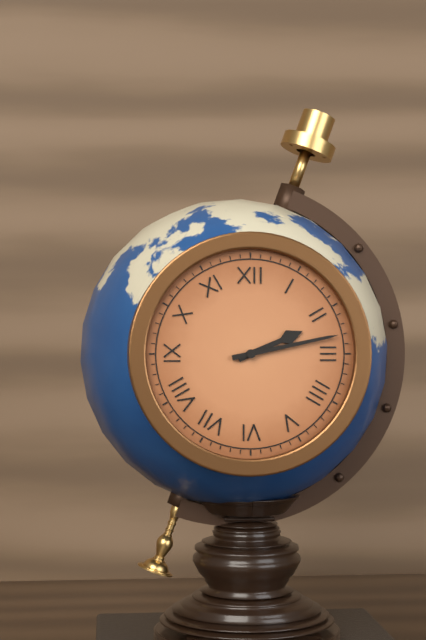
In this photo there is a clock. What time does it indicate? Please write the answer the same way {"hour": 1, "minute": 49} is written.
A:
{"hour": 2, "minute": 13}
